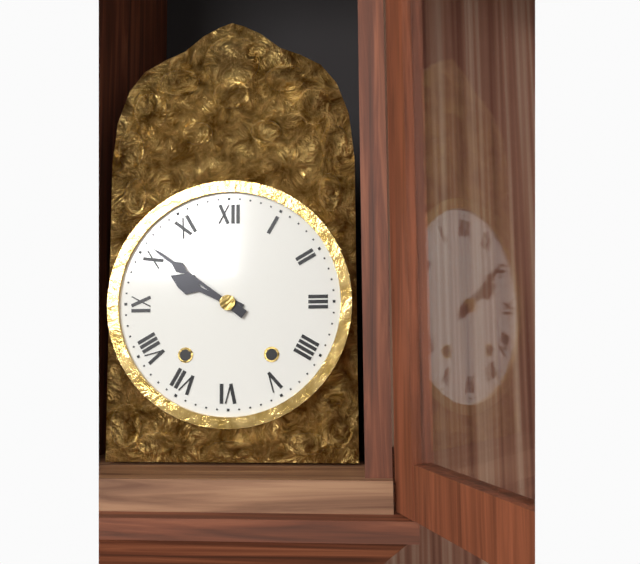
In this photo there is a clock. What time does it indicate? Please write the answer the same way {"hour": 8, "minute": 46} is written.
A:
{"hour": 9, "minute": 51}
